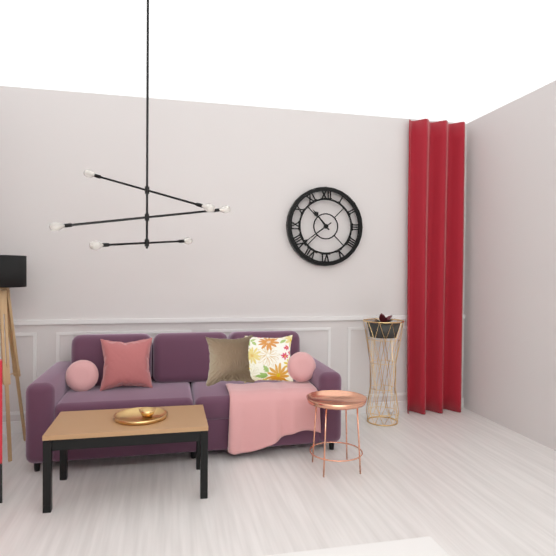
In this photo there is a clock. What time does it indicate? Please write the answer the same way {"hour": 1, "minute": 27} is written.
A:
{"hour": 10, "minute": 39}
